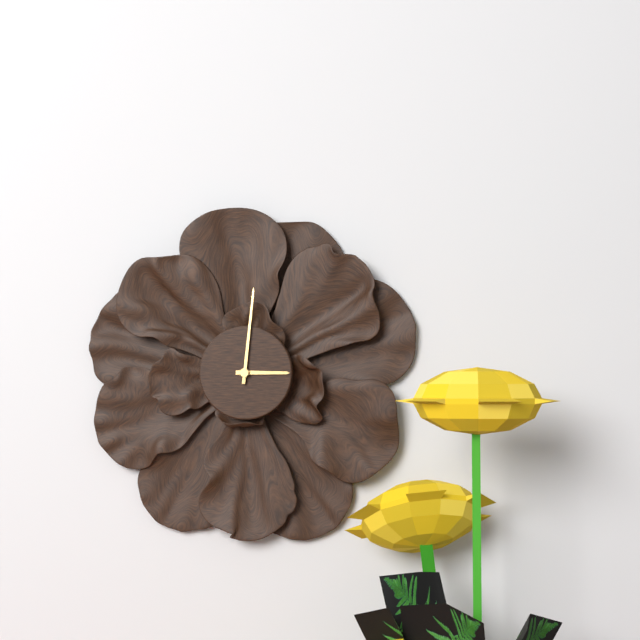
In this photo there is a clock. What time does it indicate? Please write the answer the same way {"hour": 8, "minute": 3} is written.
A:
{"hour": 3, "minute": 1}
